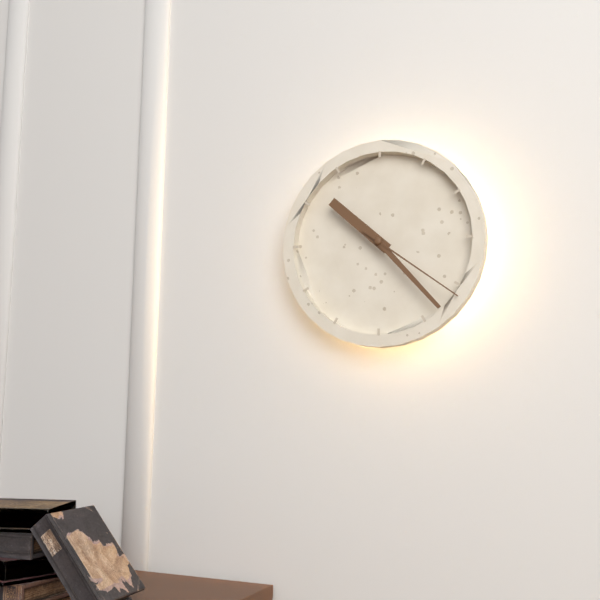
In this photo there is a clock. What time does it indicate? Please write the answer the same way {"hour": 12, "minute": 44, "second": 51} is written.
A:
{"hour": 10, "minute": 23, "second": 21}
